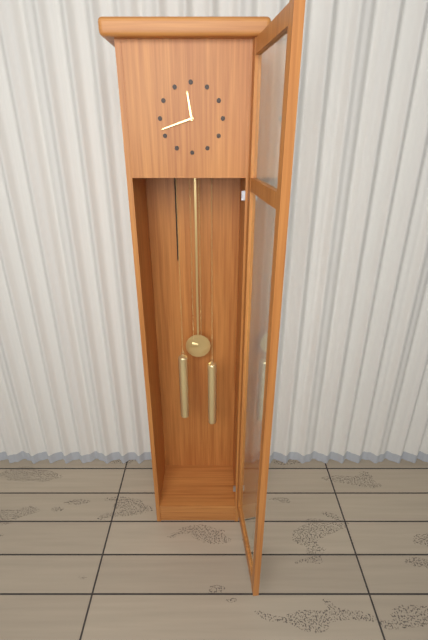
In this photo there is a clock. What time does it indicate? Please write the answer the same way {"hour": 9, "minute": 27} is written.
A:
{"hour": 11, "minute": 42}
